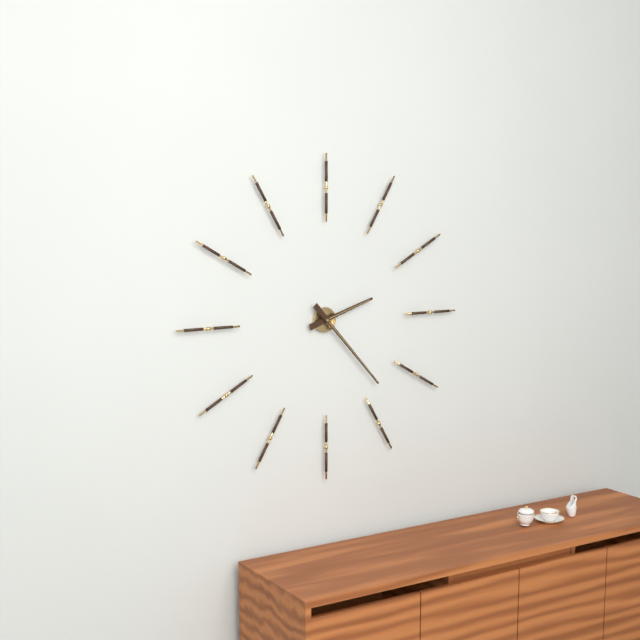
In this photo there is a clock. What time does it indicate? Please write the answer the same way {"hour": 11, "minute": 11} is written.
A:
{"hour": 2, "minute": 23}
